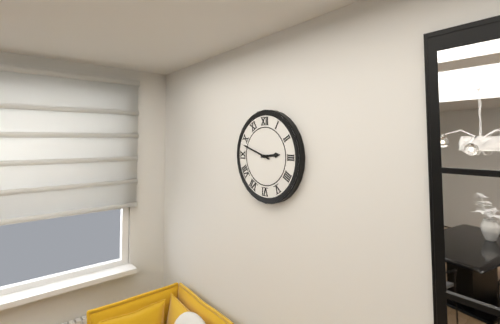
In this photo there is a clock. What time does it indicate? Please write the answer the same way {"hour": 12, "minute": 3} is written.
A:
{"hour": 2, "minute": 48}
